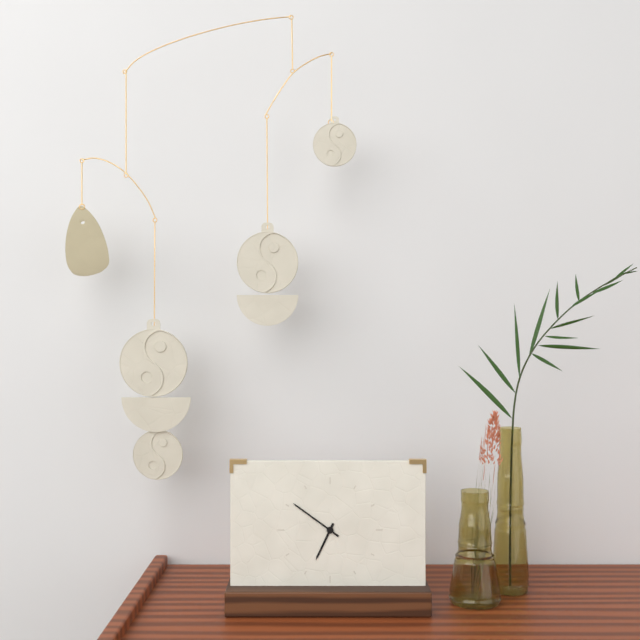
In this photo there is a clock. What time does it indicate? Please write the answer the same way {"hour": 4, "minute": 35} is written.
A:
{"hour": 6, "minute": 51}
